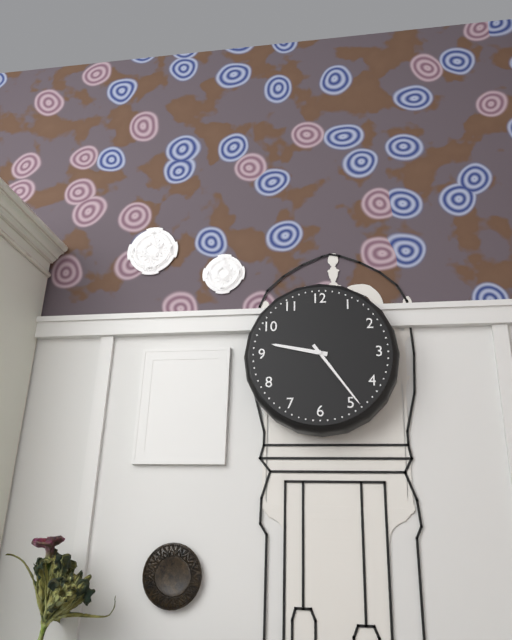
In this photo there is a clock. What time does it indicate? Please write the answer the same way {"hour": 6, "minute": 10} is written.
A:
{"hour": 9, "minute": 24}
